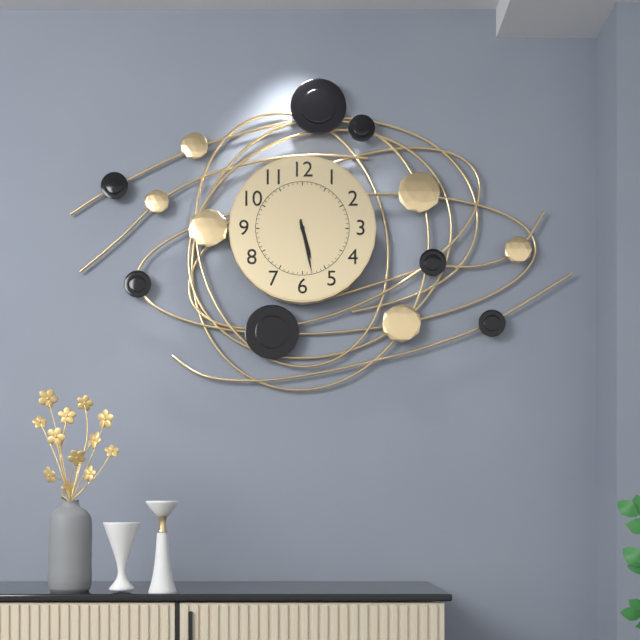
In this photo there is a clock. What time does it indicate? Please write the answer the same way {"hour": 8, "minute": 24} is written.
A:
{"hour": 5, "minute": 28}
